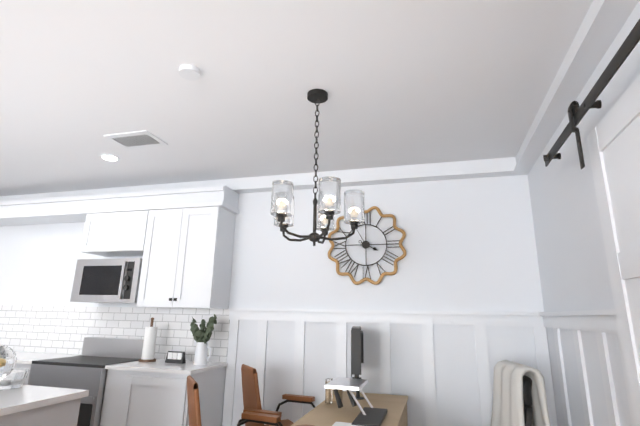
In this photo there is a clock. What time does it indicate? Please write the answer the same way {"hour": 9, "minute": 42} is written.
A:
{"hour": 3, "minute": 55}
